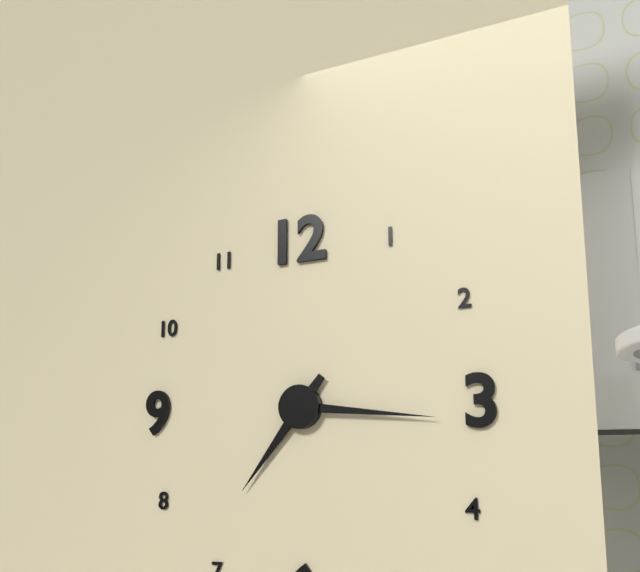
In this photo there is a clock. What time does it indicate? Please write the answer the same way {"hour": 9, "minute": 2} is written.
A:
{"hour": 7, "minute": 16}
